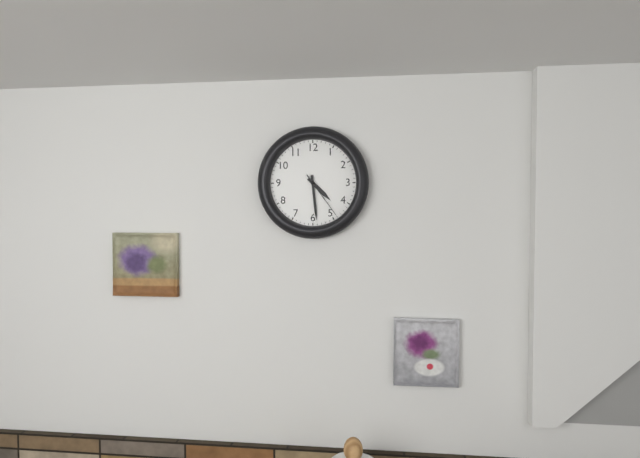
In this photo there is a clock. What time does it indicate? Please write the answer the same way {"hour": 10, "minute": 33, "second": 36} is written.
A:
{"hour": 4, "minute": 29, "second": 24}
